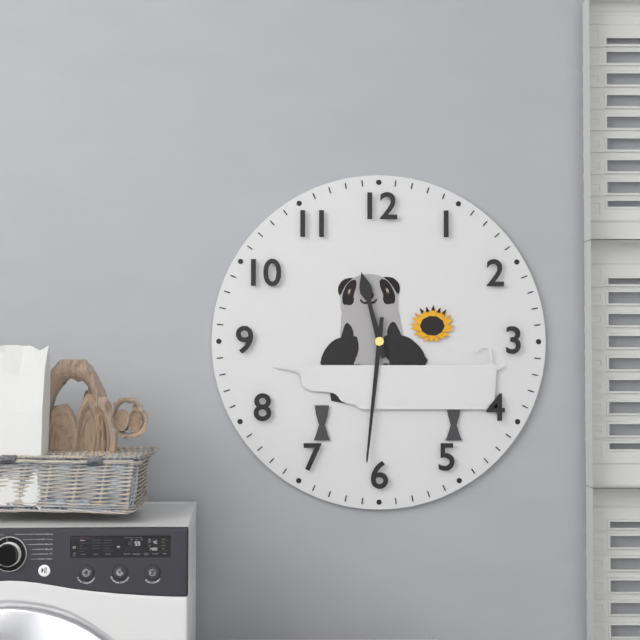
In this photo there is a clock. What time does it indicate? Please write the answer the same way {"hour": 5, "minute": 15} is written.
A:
{"hour": 11, "minute": 31}
